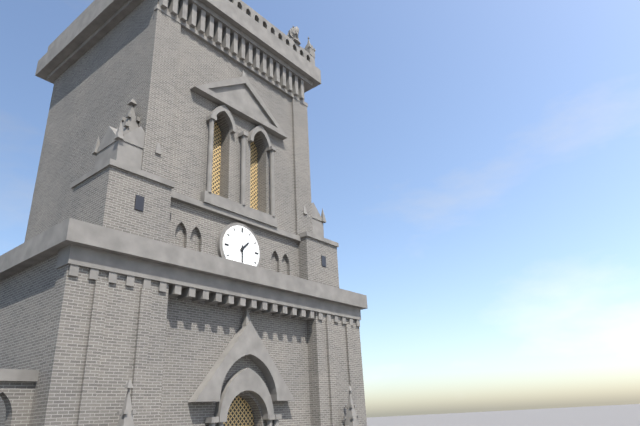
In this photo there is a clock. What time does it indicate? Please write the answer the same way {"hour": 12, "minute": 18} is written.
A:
{"hour": 1, "minute": 30}
